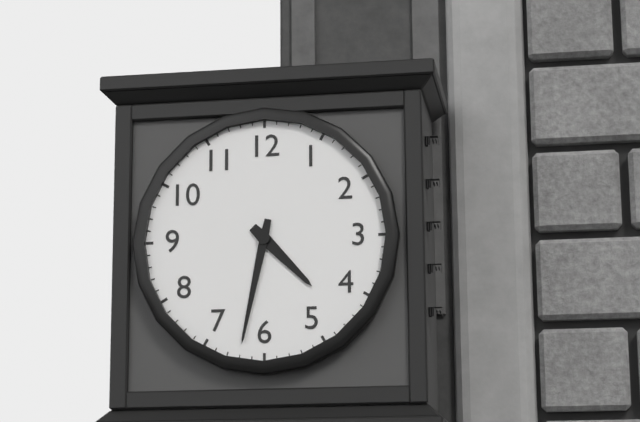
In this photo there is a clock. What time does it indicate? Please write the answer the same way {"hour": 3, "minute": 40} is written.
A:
{"hour": 4, "minute": 32}
